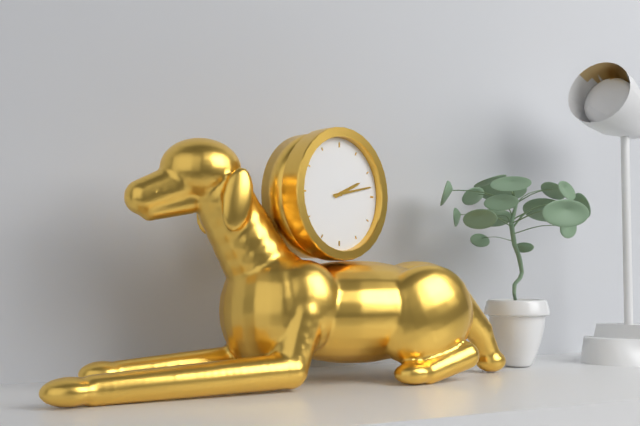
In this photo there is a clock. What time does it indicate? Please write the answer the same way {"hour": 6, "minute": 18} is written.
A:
{"hour": 2, "minute": 13}
